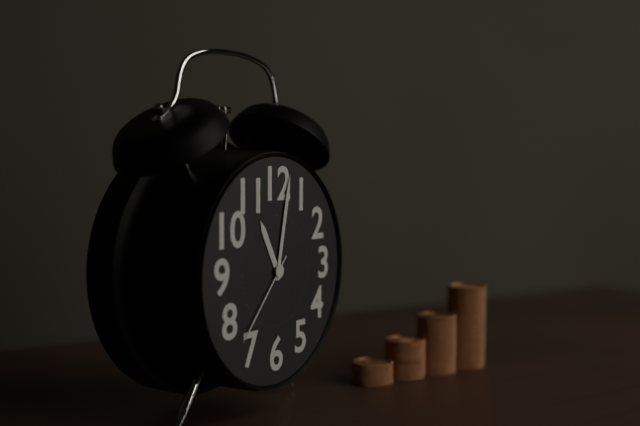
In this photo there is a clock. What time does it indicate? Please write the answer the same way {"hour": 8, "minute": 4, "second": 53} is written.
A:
{"hour": 11, "minute": 2, "second": 37}
